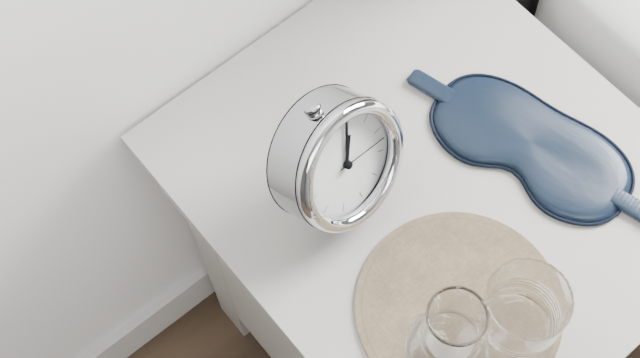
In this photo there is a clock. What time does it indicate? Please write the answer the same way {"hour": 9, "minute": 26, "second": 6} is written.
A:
{"hour": 1, "minute": 4, "second": 17}
